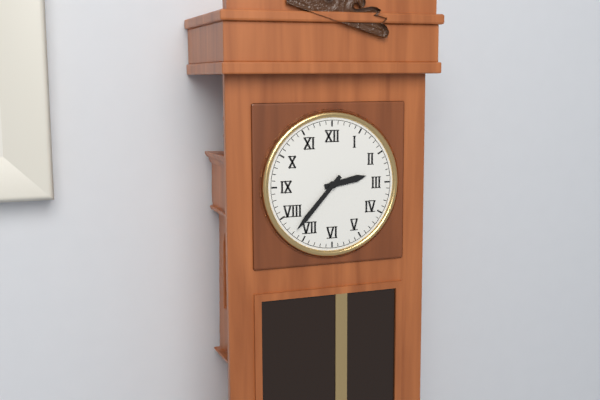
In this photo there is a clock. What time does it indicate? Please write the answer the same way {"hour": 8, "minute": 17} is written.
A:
{"hour": 2, "minute": 37}
